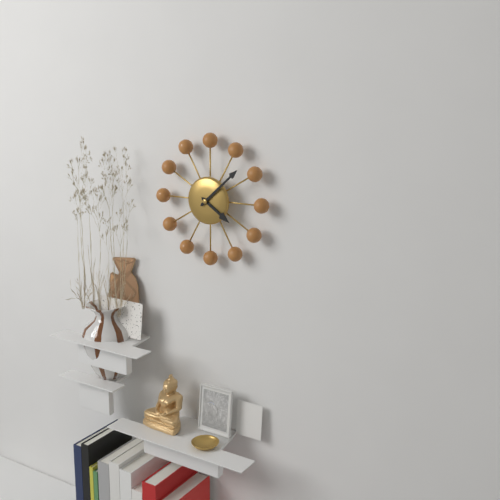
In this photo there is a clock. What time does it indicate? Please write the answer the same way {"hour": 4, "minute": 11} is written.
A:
{"hour": 4, "minute": 8}
